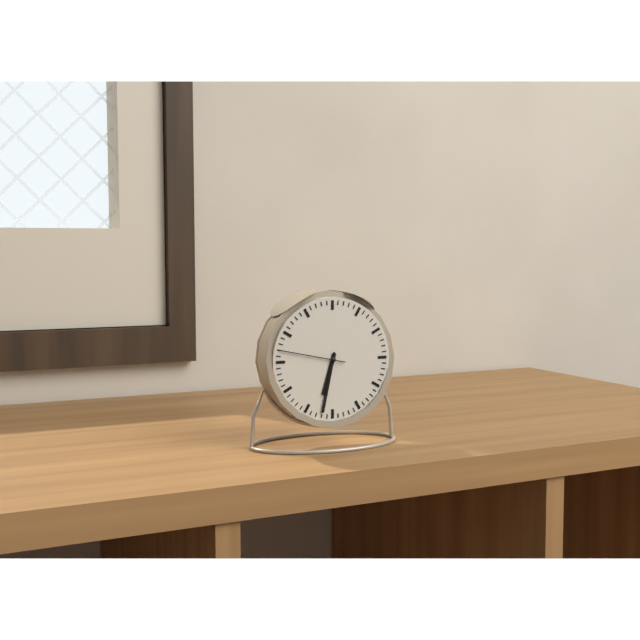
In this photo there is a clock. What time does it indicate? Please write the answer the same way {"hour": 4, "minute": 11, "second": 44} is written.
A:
{"hour": 6, "minute": 32, "second": 47}
